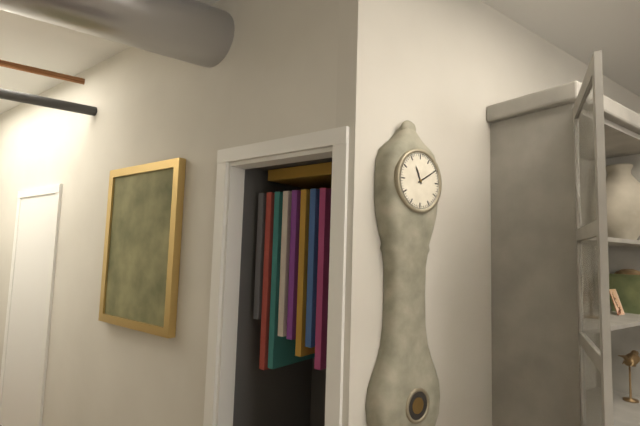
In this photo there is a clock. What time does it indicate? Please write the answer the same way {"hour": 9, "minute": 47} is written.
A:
{"hour": 11, "minute": 10}
